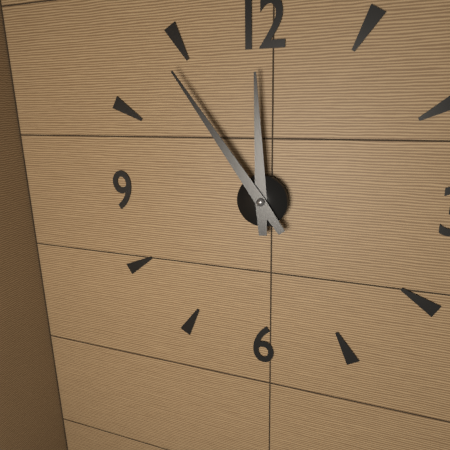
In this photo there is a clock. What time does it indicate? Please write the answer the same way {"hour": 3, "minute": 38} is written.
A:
{"hour": 11, "minute": 54}
